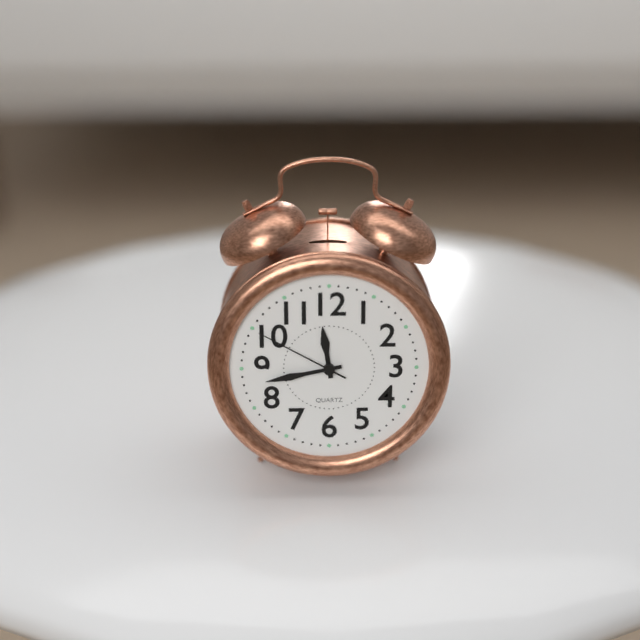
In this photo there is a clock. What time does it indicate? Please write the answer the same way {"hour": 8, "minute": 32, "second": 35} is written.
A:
{"hour": 11, "minute": 43, "second": 50}
